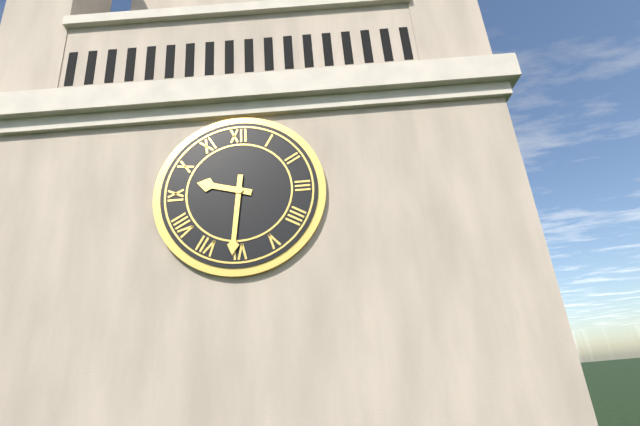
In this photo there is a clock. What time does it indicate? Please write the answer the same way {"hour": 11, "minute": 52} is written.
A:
{"hour": 9, "minute": 31}
